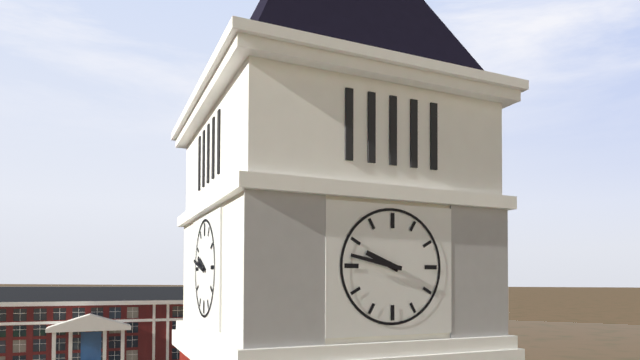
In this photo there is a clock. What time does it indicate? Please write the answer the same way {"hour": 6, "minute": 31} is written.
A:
{"hour": 9, "minute": 47}
